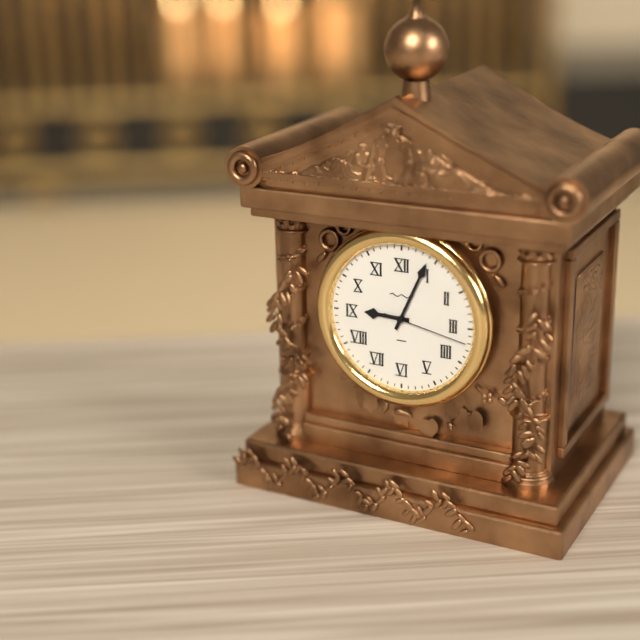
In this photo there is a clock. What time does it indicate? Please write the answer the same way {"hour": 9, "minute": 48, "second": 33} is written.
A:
{"hour": 9, "minute": 4, "second": 17}
